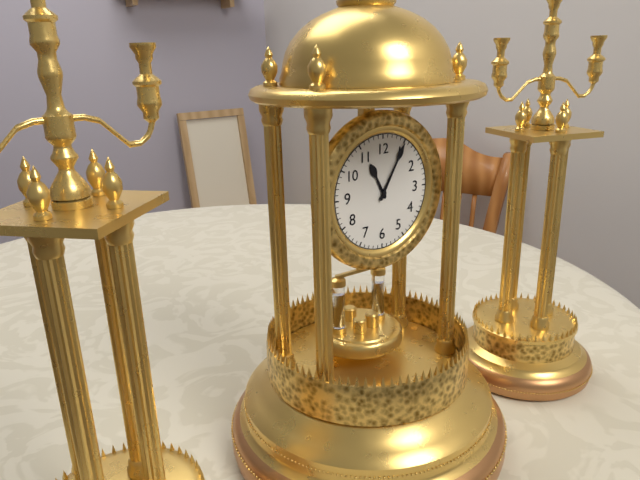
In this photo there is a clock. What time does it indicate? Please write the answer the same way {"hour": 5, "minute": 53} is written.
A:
{"hour": 11, "minute": 5}
